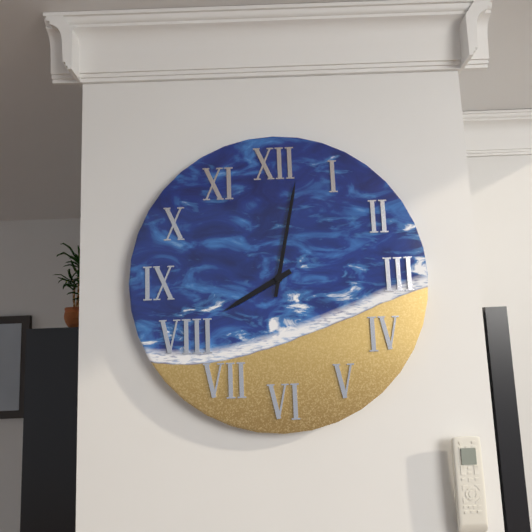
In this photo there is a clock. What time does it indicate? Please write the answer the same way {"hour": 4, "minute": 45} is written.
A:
{"hour": 8, "minute": 2}
